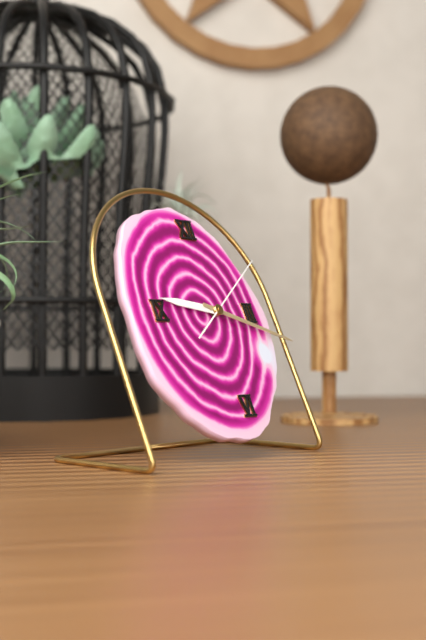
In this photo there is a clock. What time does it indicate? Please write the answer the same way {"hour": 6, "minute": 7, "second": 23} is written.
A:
{"hour": 9, "minute": 18, "second": 9}
